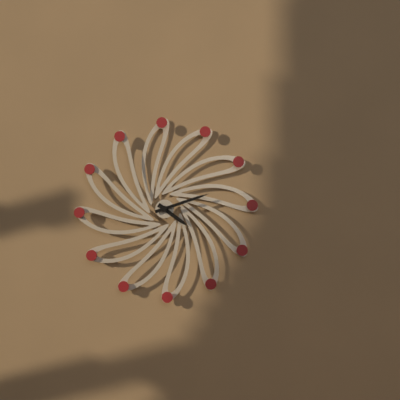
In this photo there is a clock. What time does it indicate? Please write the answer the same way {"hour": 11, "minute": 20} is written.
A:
{"hour": 4, "minute": 12}
